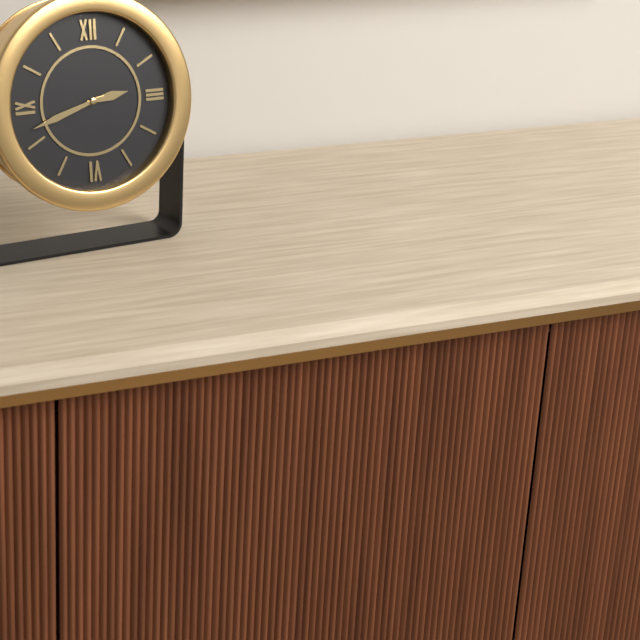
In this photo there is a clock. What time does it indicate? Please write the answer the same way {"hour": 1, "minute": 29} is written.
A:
{"hour": 2, "minute": 42}
